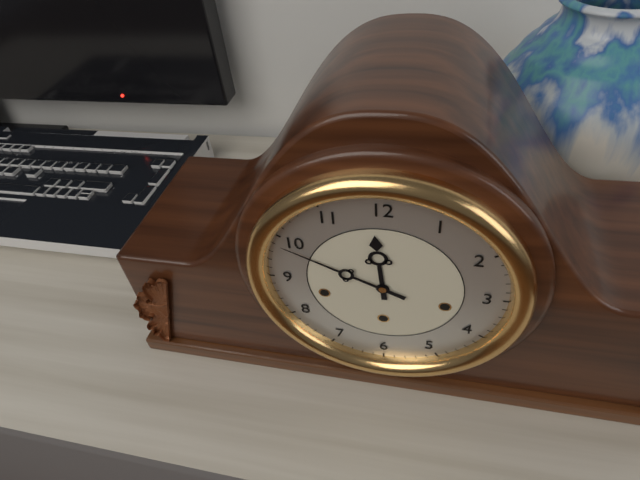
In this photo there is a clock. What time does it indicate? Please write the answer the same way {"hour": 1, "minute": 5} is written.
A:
{"hour": 11, "minute": 49}
